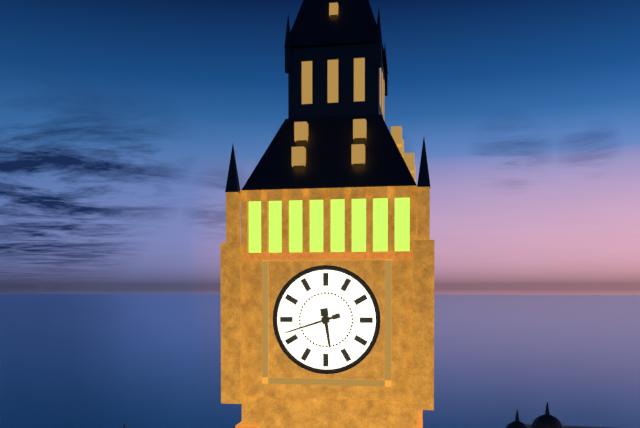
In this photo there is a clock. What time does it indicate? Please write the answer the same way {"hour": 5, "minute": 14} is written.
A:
{"hour": 5, "minute": 42}
